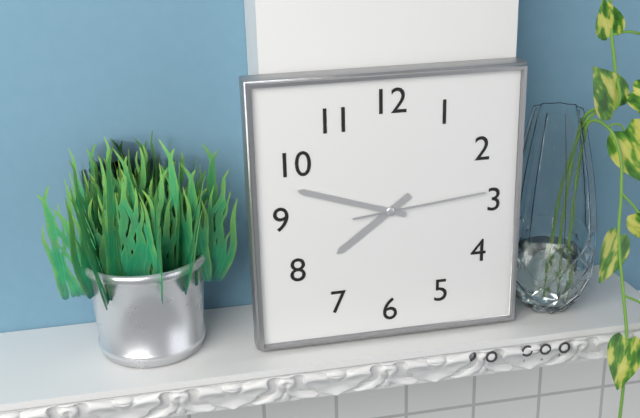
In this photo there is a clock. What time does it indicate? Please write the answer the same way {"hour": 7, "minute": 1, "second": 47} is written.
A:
{"hour": 7, "minute": 48, "second": 14}
